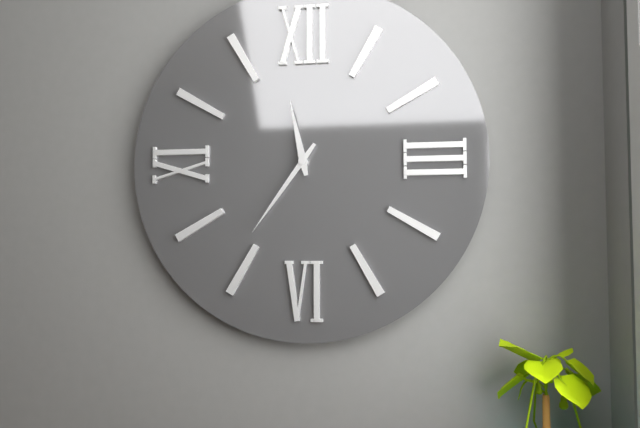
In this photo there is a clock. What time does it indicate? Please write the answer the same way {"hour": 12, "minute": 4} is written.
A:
{"hour": 11, "minute": 36}
